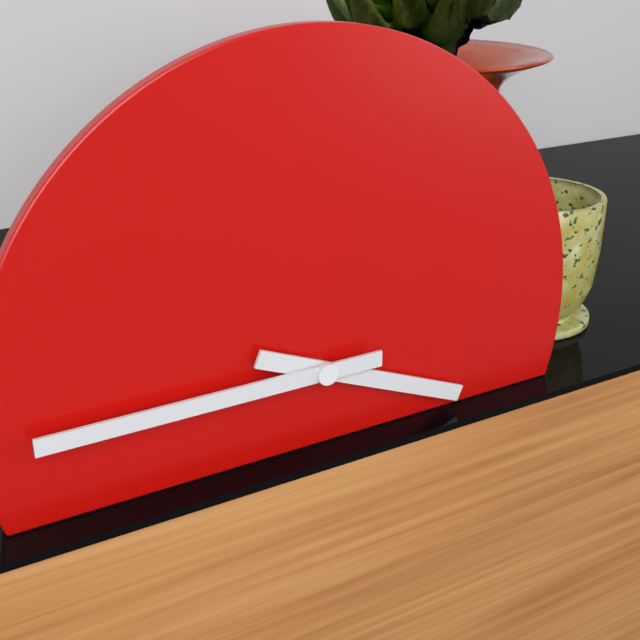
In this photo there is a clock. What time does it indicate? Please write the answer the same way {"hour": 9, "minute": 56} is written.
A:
{"hour": 3, "minute": 45}
